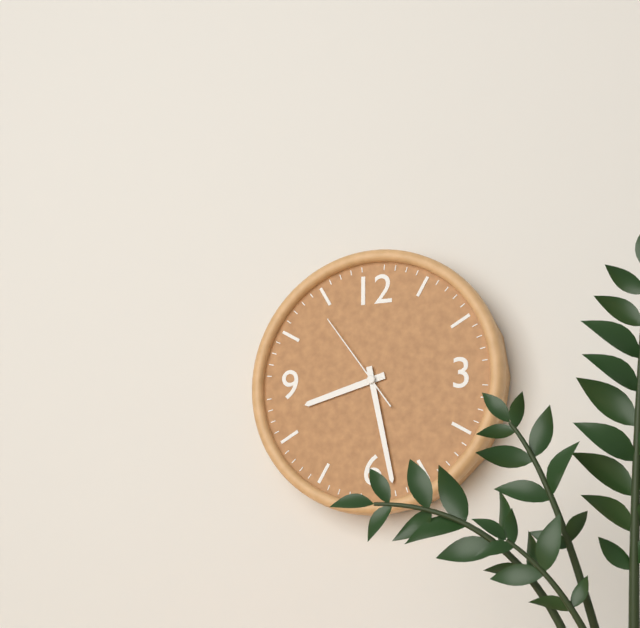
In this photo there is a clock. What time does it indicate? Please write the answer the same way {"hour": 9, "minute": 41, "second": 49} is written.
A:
{"hour": 8, "minute": 28, "second": 54}
